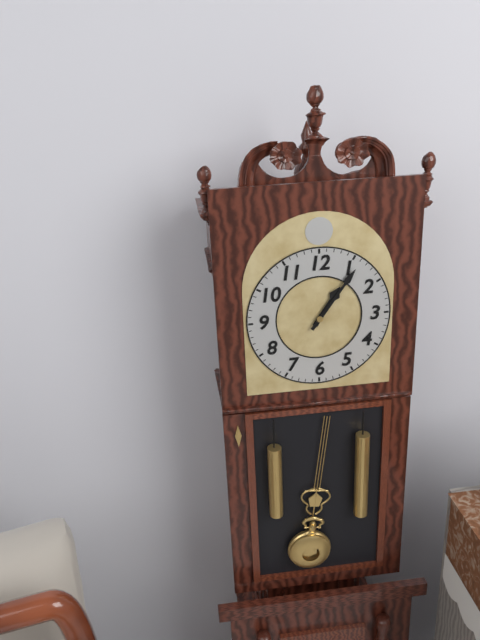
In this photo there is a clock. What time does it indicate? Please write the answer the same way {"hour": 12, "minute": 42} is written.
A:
{"hour": 1, "minute": 6}
